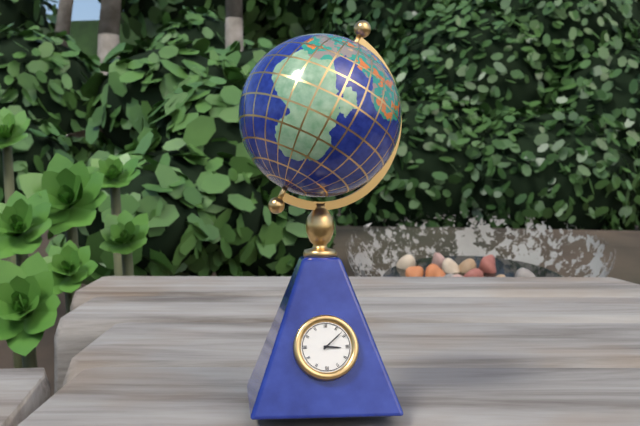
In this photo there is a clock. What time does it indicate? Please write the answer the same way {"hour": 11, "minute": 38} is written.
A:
{"hour": 3, "minute": 8}
